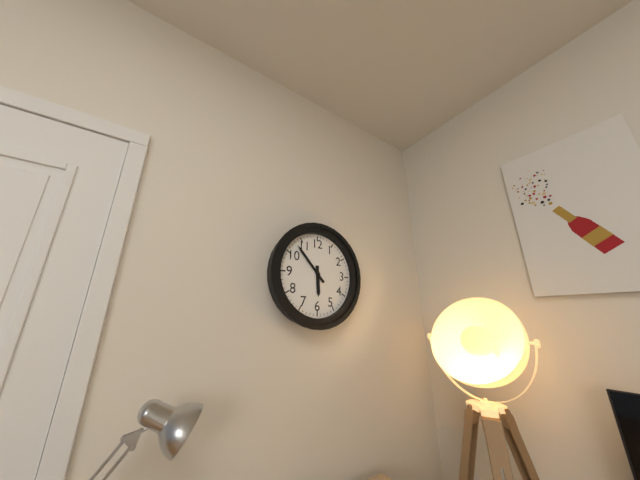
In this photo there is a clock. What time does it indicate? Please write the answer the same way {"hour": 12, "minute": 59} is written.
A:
{"hour": 5, "minute": 53}
